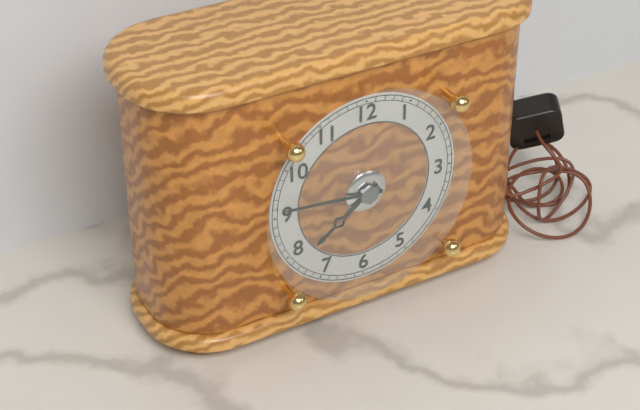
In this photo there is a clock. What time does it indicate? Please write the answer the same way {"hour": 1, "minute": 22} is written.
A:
{"hour": 7, "minute": 46}
